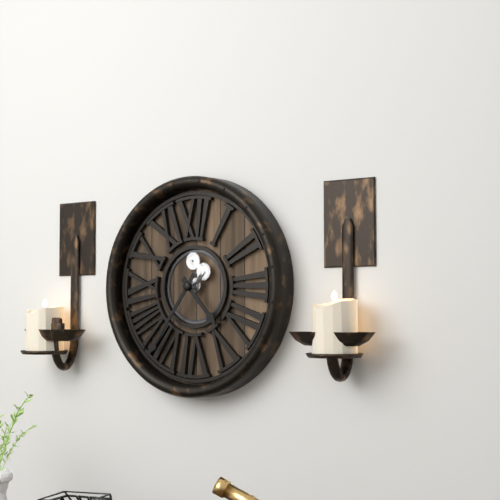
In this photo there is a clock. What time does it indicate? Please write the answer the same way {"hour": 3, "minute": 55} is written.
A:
{"hour": 4, "minute": 36}
